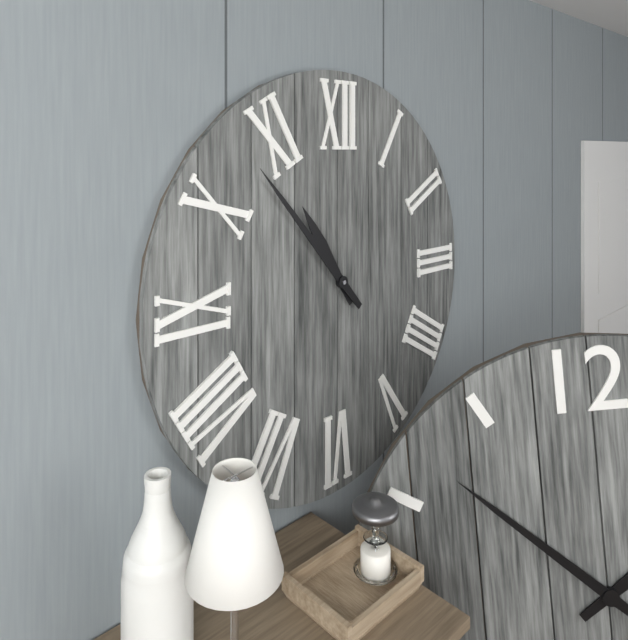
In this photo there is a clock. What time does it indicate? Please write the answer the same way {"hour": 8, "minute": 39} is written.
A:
{"hour": 10, "minute": 53}
